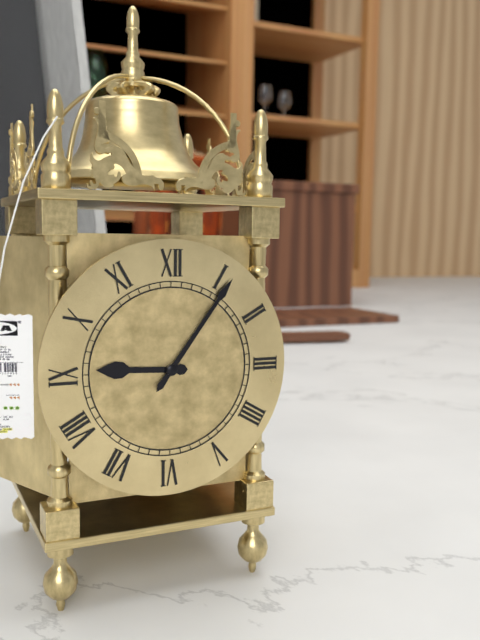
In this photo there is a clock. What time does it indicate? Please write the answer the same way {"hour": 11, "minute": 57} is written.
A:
{"hour": 9, "minute": 6}
